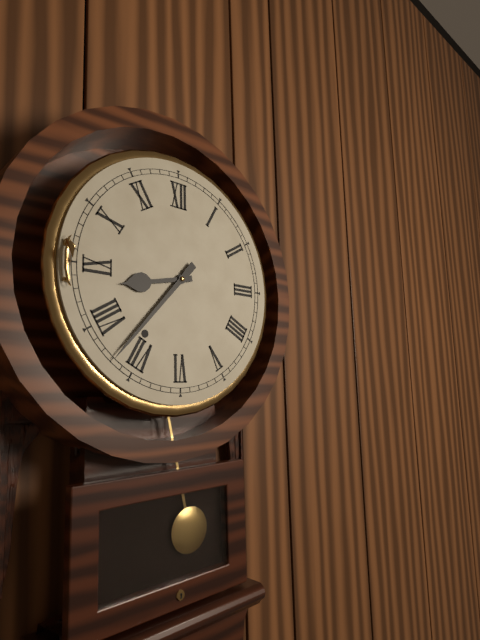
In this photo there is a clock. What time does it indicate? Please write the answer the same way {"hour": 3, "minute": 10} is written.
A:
{"hour": 8, "minute": 37}
